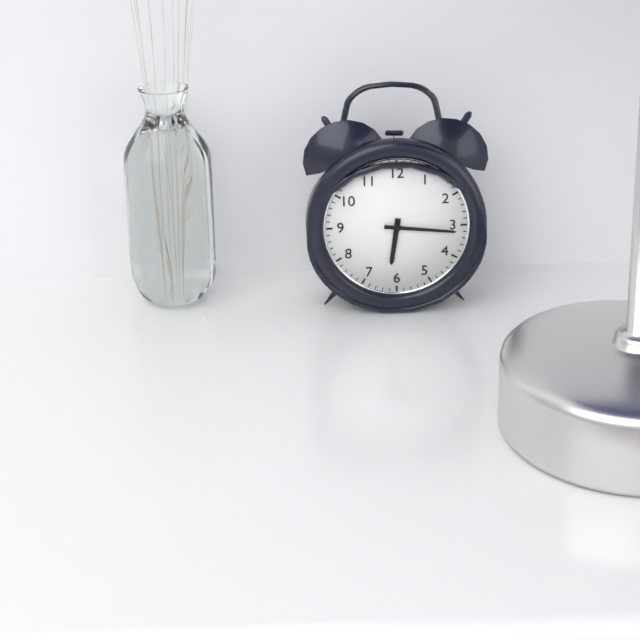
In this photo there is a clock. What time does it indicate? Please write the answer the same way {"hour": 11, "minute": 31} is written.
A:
{"hour": 6, "minute": 16}
